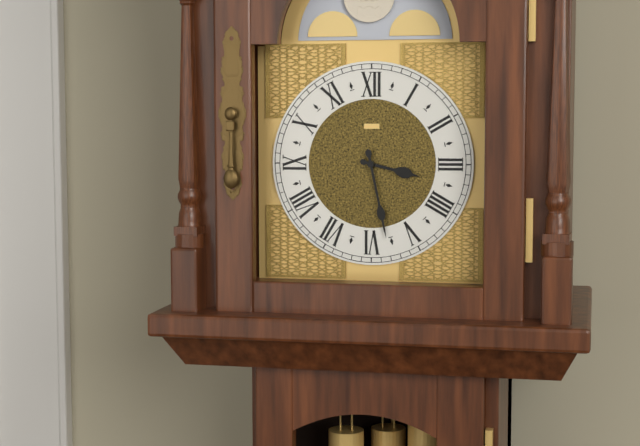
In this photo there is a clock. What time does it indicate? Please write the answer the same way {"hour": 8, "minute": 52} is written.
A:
{"hour": 3, "minute": 28}
